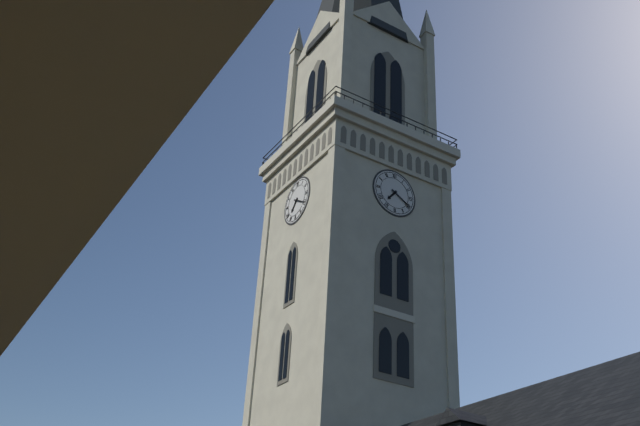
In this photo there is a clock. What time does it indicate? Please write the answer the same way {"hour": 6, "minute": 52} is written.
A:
{"hour": 7, "minute": 20}
